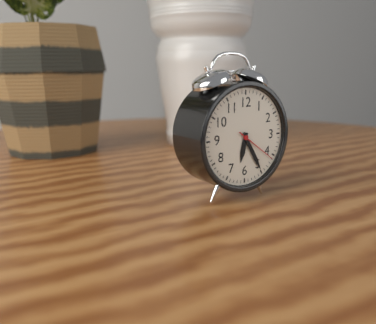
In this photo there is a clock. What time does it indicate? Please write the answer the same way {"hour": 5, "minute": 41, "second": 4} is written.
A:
{"hour": 6, "minute": 25, "second": 21}
